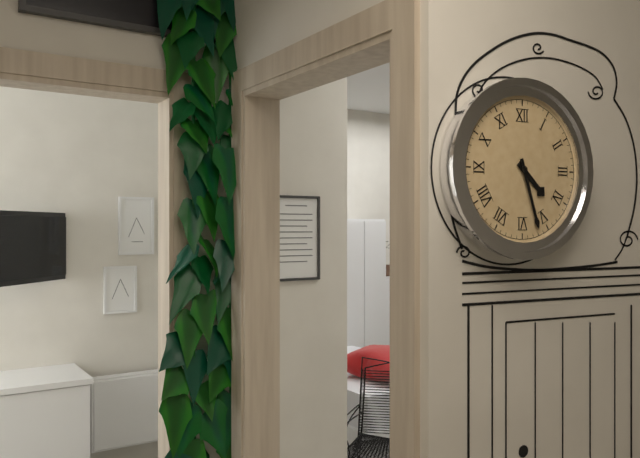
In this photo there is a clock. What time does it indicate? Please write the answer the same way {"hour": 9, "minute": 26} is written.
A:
{"hour": 4, "minute": 27}
